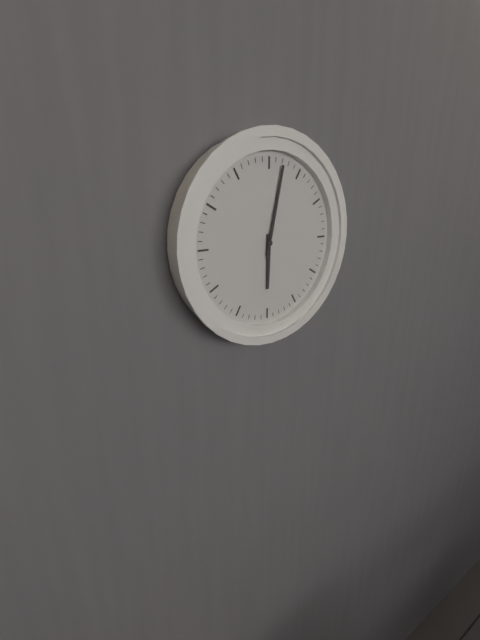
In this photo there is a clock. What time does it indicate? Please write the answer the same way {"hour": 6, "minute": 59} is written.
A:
{"hour": 6, "minute": 2}
